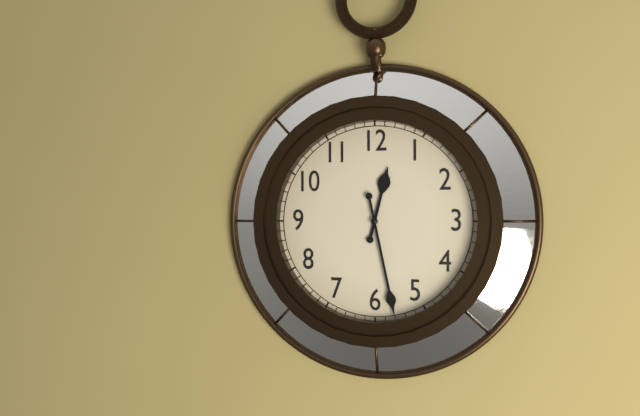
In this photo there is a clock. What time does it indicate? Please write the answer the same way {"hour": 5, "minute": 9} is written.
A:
{"hour": 12, "minute": 28}
